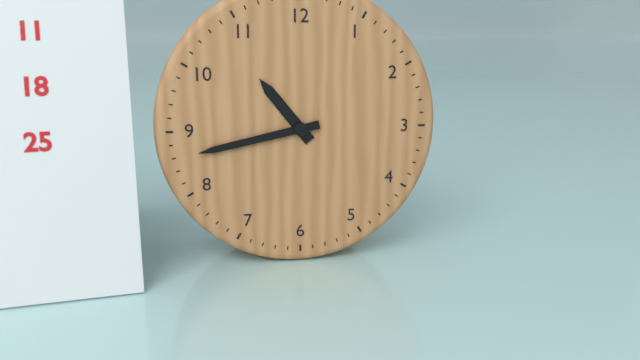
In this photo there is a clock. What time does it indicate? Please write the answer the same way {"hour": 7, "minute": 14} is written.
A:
{"hour": 10, "minute": 43}
